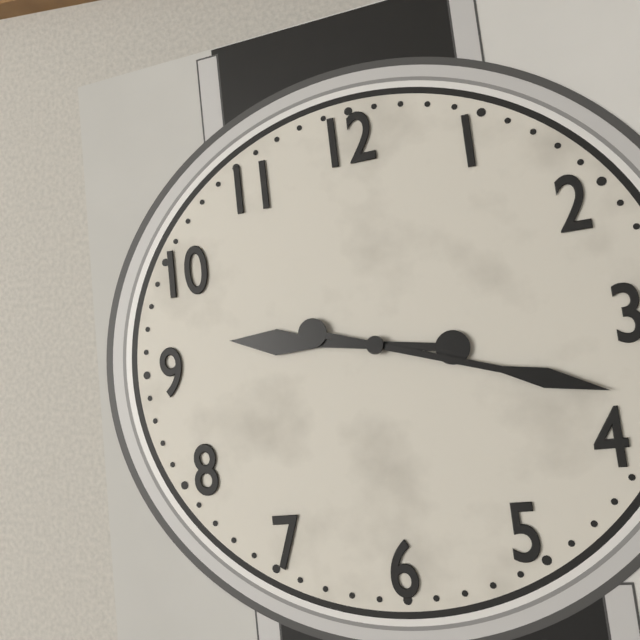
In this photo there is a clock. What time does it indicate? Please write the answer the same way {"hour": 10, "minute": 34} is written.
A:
{"hour": 9, "minute": 18}
